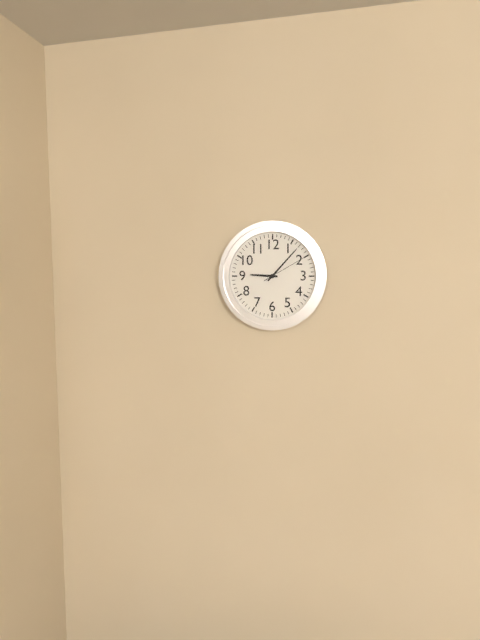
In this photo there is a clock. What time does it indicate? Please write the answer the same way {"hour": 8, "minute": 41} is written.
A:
{"hour": 9, "minute": 7}
